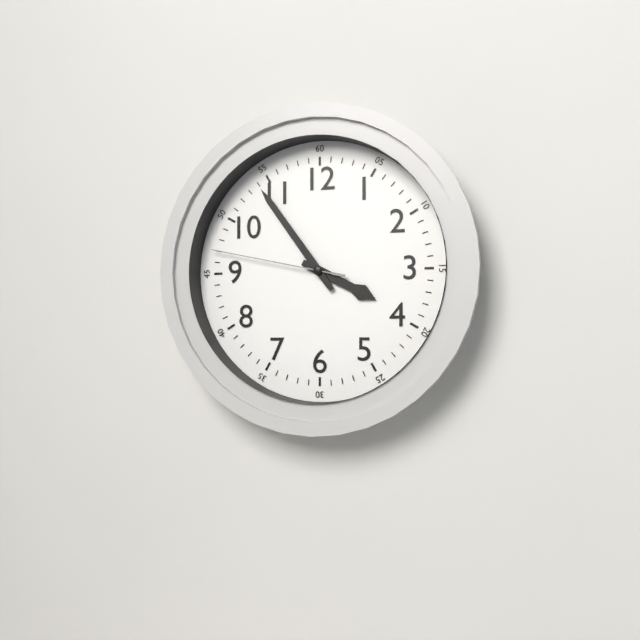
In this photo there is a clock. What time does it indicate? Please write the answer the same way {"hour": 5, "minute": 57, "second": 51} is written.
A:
{"hour": 3, "minute": 54, "second": 47}
